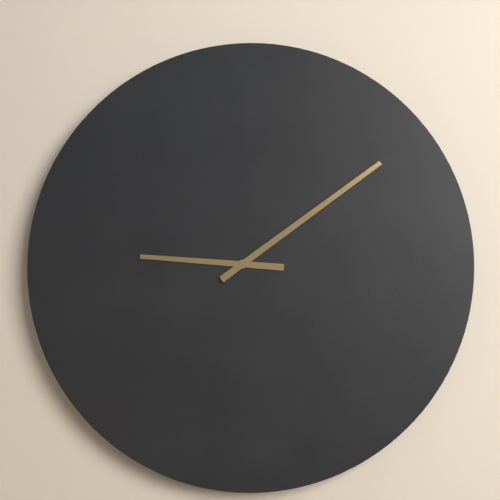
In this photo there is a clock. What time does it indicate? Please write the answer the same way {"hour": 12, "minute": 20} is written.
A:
{"hour": 9, "minute": 9}
